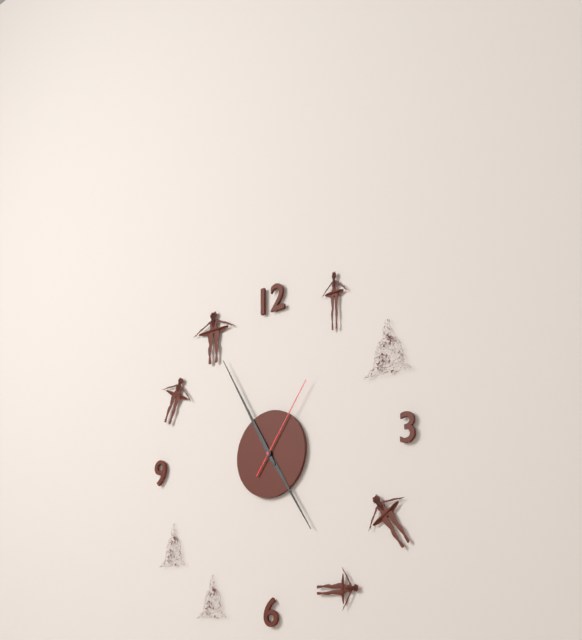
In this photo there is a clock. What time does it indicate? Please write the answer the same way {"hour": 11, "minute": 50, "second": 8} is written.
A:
{"hour": 4, "minute": 55, "second": 6}
